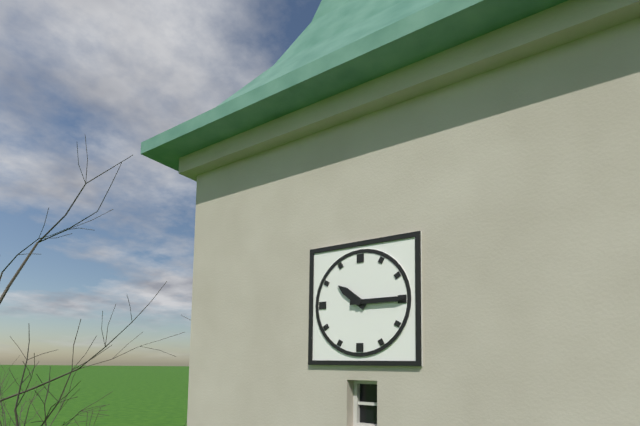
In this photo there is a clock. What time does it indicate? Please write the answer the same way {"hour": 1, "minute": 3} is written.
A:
{"hour": 10, "minute": 15}
